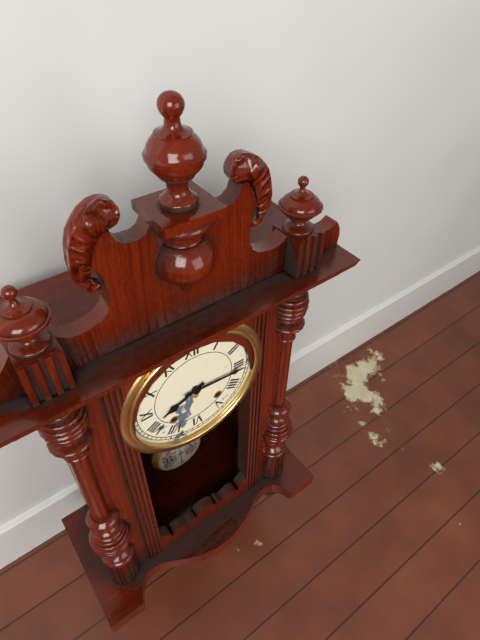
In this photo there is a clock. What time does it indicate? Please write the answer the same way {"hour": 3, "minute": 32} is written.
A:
{"hour": 8, "minute": 16}
